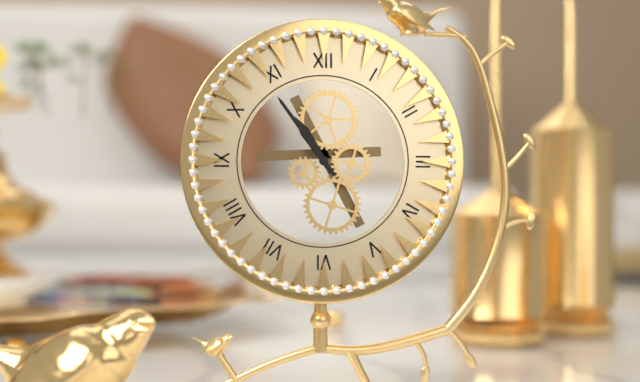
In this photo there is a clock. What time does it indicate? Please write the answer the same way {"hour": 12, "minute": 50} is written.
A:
{"hour": 10, "minute": 54}
